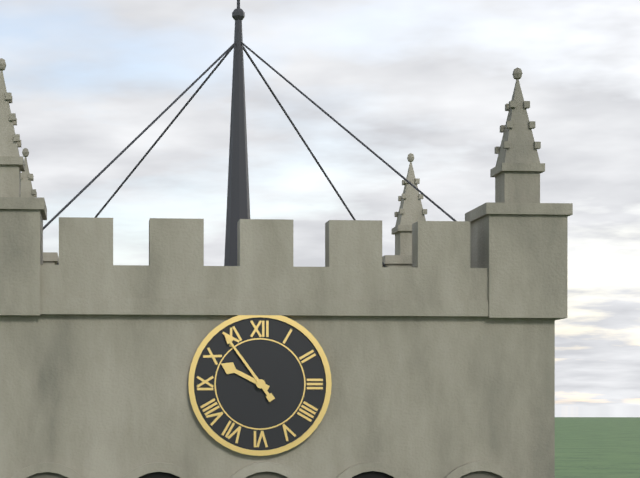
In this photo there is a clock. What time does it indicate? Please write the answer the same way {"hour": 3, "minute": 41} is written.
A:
{"hour": 9, "minute": 54}
